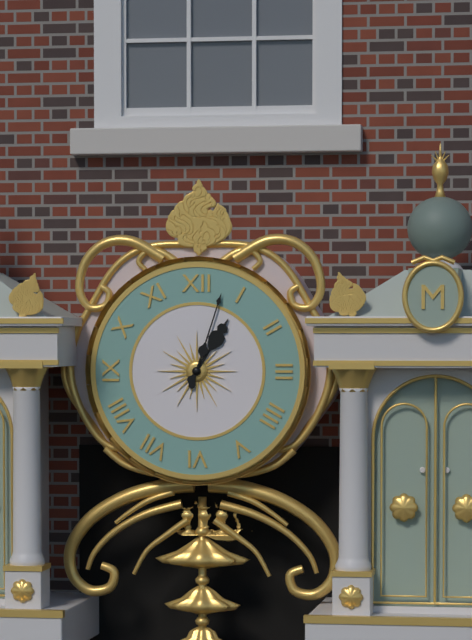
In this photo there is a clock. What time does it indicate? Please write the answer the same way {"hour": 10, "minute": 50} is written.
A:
{"hour": 1, "minute": 3}
